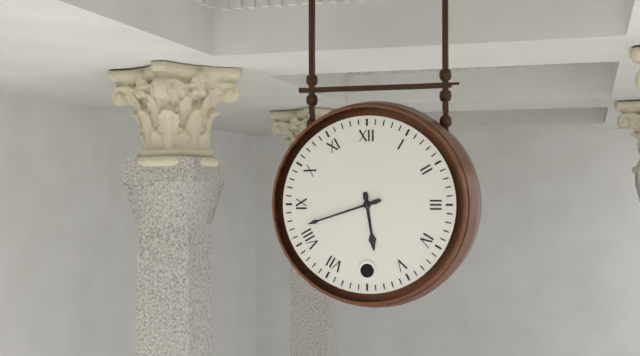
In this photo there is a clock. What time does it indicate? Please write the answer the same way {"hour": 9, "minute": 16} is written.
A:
{"hour": 5, "minute": 42}
